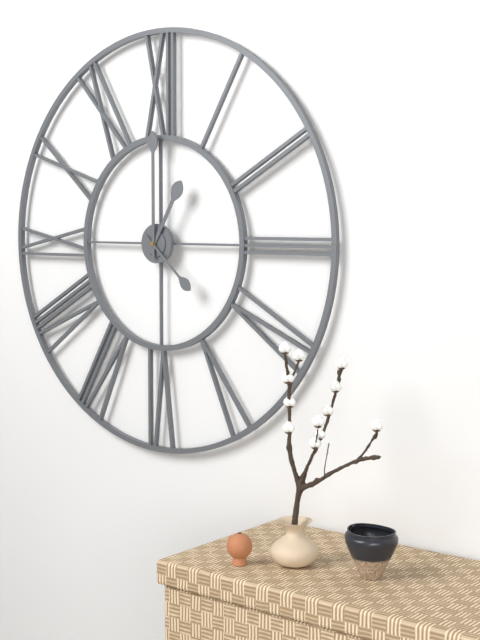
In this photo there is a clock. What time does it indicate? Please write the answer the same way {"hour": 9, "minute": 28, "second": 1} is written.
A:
{"hour": 1, "minute": 0, "second": 22}
